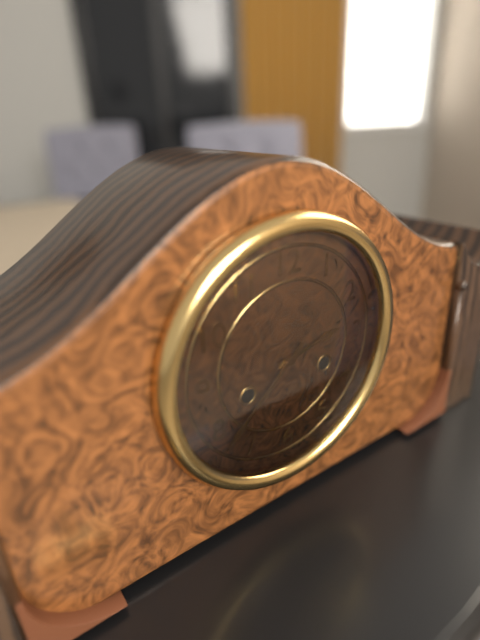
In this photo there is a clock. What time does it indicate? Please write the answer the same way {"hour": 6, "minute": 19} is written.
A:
{"hour": 2, "minute": 38}
